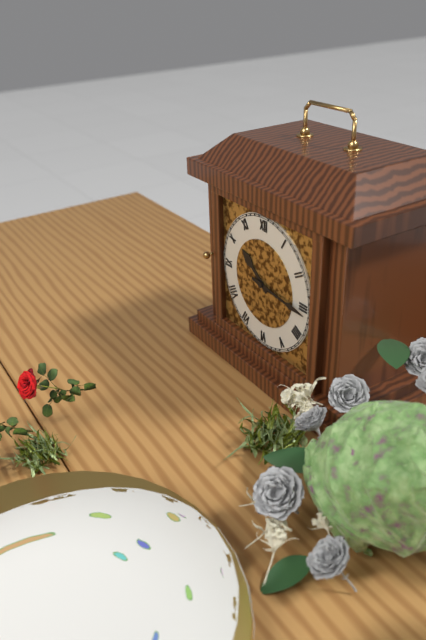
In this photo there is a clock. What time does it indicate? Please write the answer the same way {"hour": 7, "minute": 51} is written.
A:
{"hour": 10, "minute": 16}
